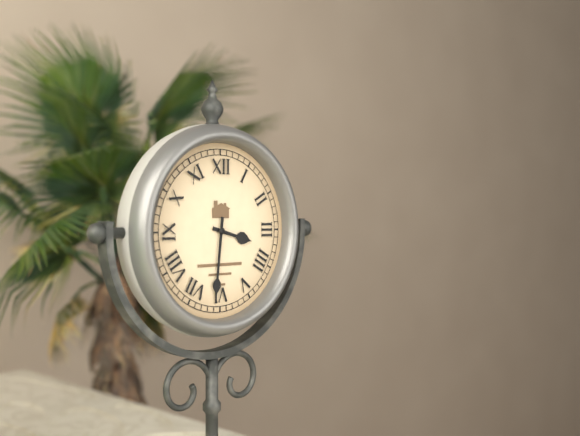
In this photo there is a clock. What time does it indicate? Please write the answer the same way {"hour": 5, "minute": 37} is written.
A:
{"hour": 3, "minute": 31}
